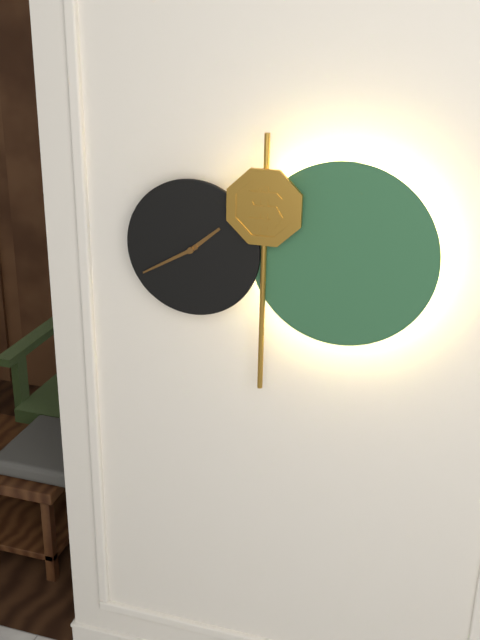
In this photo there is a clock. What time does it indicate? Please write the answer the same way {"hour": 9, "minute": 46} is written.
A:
{"hour": 1, "minute": 40}
